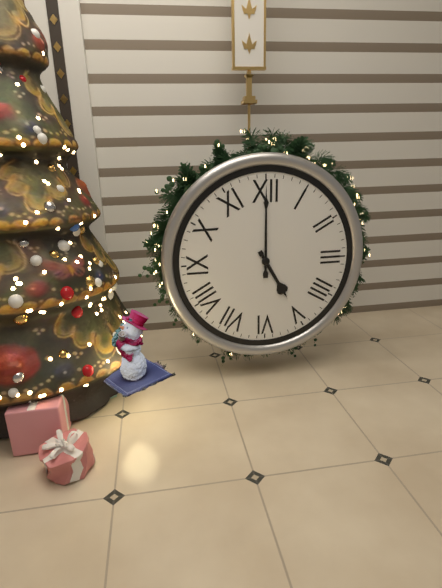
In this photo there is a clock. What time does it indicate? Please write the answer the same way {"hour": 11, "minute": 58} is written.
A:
{"hour": 5, "minute": 0}
